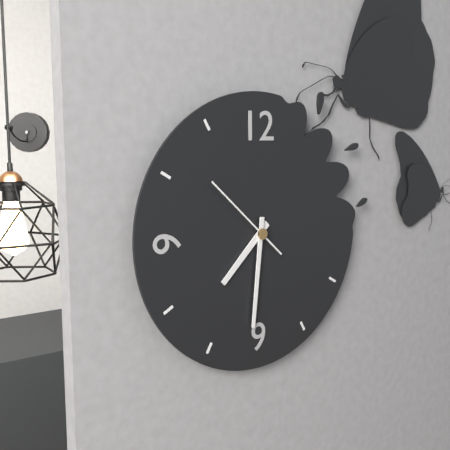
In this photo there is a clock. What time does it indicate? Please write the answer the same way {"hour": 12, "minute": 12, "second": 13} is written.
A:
{"hour": 7, "minute": 31, "second": 52}
